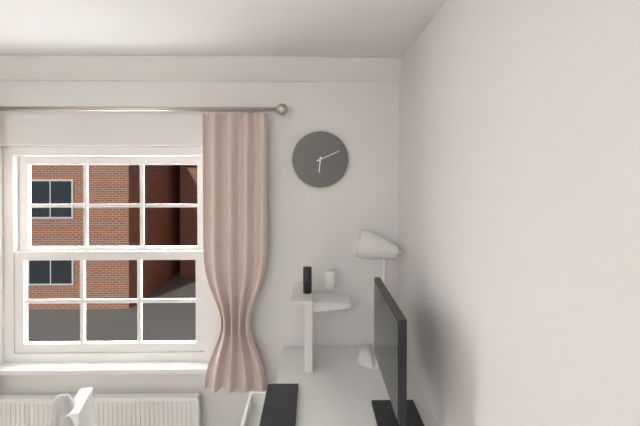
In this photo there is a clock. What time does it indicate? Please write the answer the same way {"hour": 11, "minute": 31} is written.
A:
{"hour": 6, "minute": 11}
